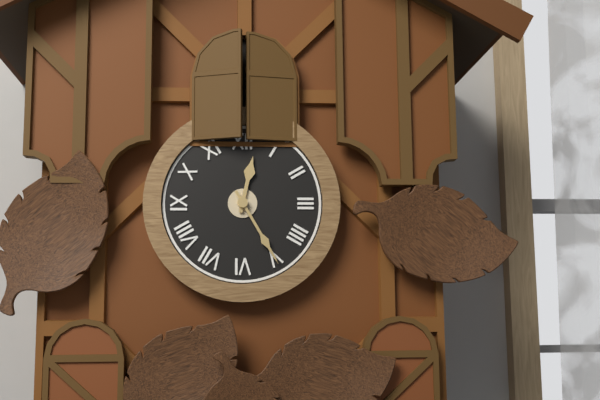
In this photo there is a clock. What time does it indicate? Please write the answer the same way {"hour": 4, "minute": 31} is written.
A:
{"hour": 12, "minute": 25}
